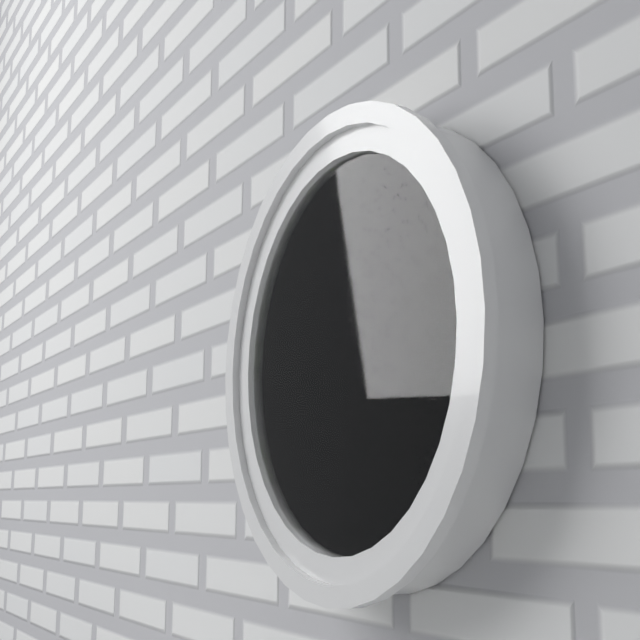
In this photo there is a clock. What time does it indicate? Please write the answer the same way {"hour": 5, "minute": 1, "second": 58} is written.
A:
{"hour": 12, "minute": 59, "second": 35}
